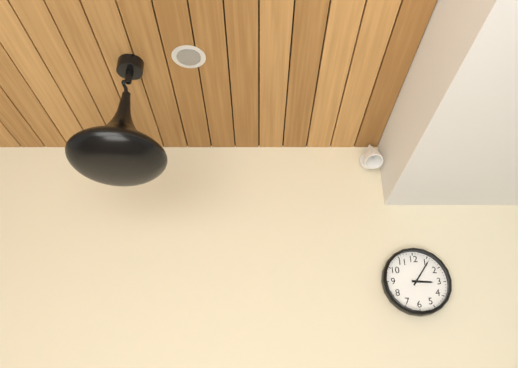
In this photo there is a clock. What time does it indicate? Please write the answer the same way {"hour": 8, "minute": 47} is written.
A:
{"hour": 3, "minute": 6}
